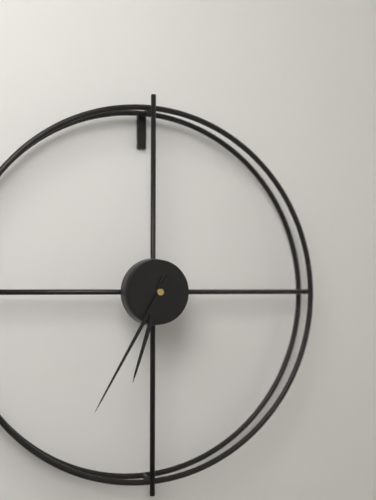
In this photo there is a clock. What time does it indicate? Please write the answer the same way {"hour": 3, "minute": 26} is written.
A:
{"hour": 6, "minute": 35}
